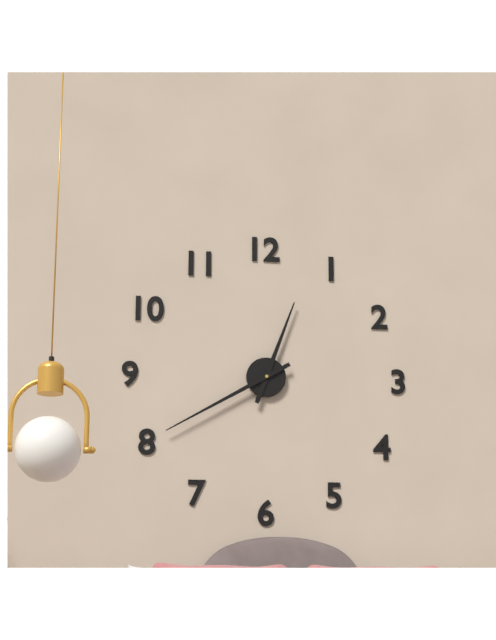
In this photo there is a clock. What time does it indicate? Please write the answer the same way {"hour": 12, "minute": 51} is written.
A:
{"hour": 12, "minute": 40}
